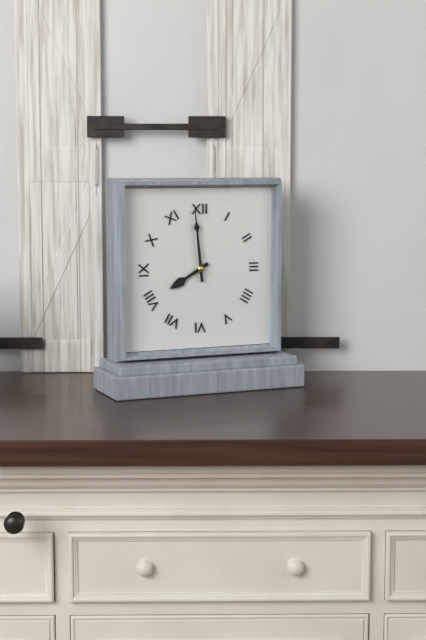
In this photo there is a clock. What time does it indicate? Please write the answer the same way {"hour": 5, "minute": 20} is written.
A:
{"hour": 7, "minute": 59}
